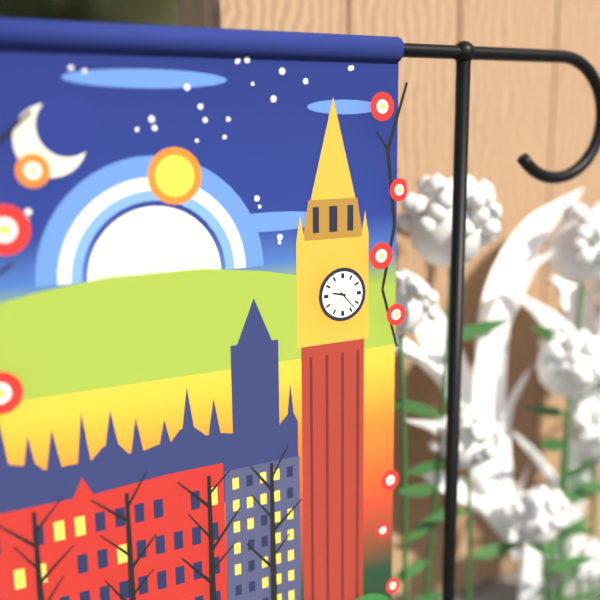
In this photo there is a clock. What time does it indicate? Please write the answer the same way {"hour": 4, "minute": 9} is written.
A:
{"hour": 9, "minute": 23}
